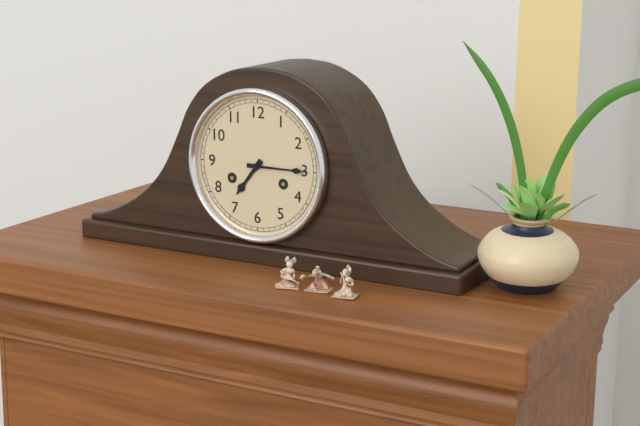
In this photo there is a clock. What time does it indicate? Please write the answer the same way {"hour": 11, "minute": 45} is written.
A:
{"hour": 7, "minute": 15}
